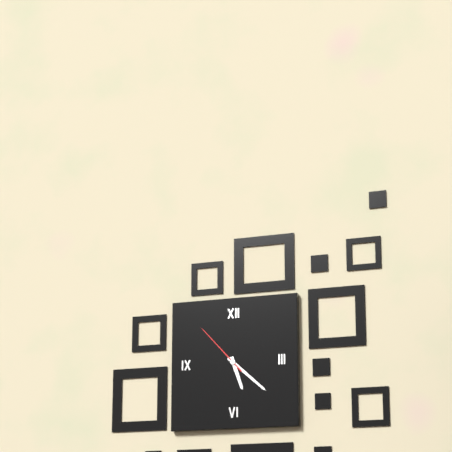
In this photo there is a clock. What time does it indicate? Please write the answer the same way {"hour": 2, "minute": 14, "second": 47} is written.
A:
{"hour": 5, "minute": 22, "second": 53}
